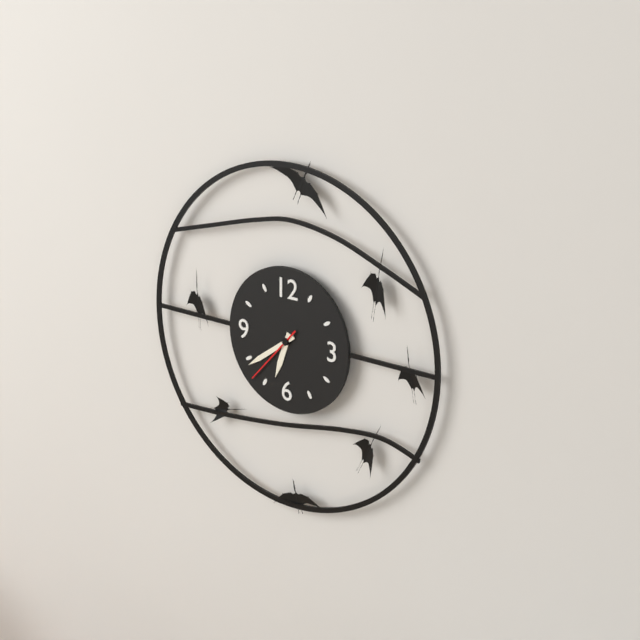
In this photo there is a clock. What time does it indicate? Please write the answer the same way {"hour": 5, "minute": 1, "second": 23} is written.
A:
{"hour": 6, "minute": 39, "second": 37}
